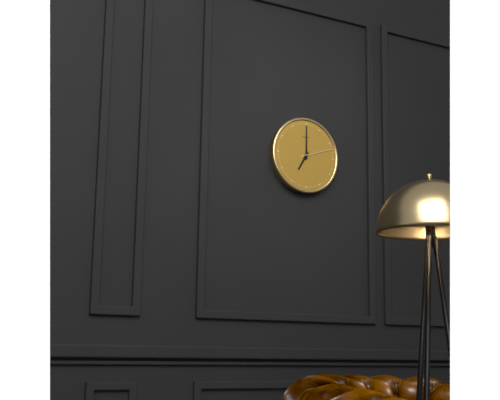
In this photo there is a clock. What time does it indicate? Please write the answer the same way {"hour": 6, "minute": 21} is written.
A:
{"hour": 7, "minute": 0}
